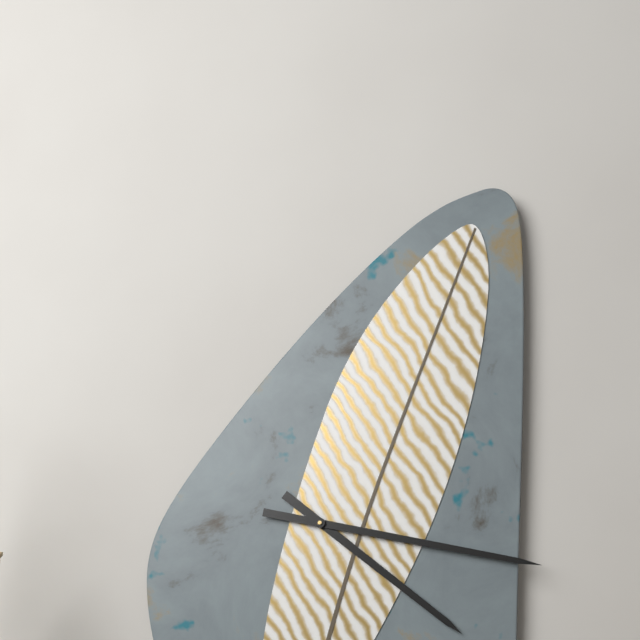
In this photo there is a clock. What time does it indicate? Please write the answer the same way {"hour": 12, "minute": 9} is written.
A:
{"hour": 4, "minute": 17}
